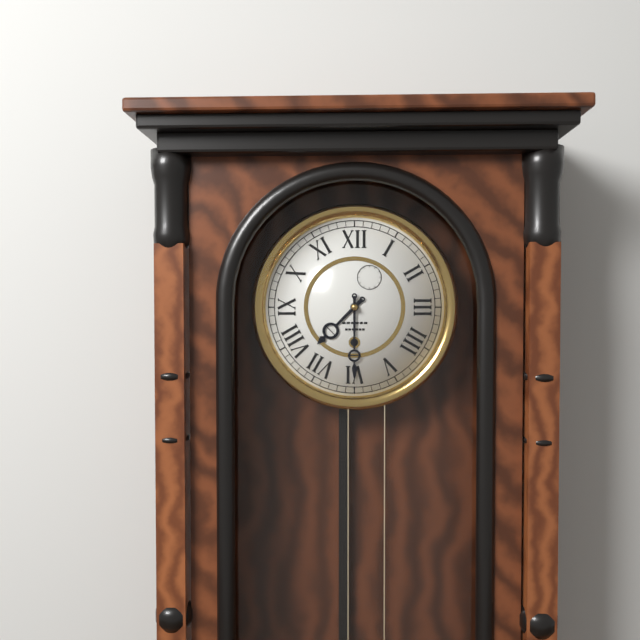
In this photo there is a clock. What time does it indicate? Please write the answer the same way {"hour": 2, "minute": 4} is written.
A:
{"hour": 7, "minute": 30}
